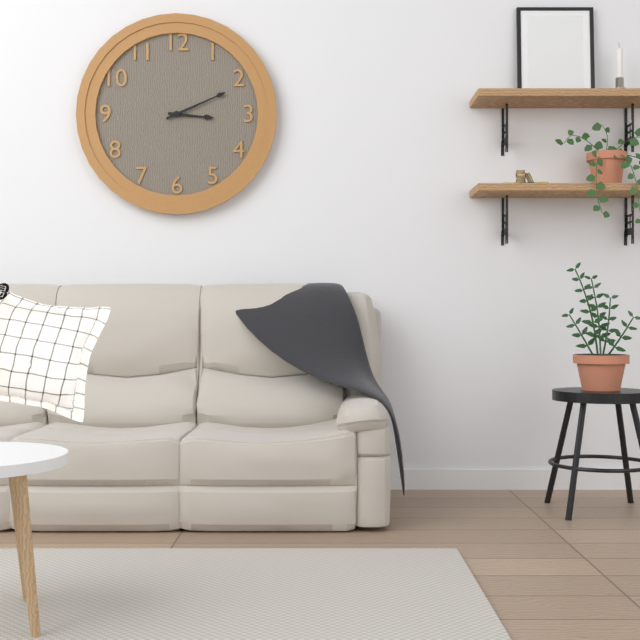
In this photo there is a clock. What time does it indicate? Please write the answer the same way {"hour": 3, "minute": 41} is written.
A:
{"hour": 3, "minute": 11}
